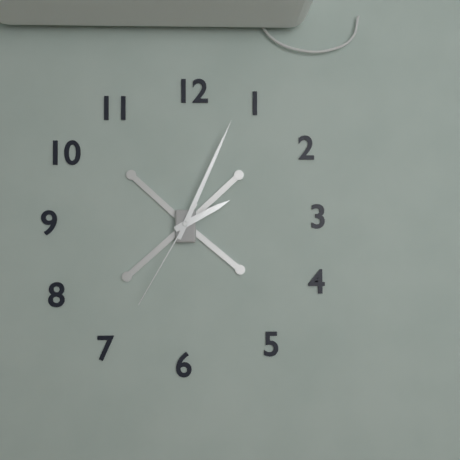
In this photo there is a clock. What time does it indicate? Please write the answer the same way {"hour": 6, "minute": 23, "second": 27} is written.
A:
{"hour": 2, "minute": 4, "second": 35}
